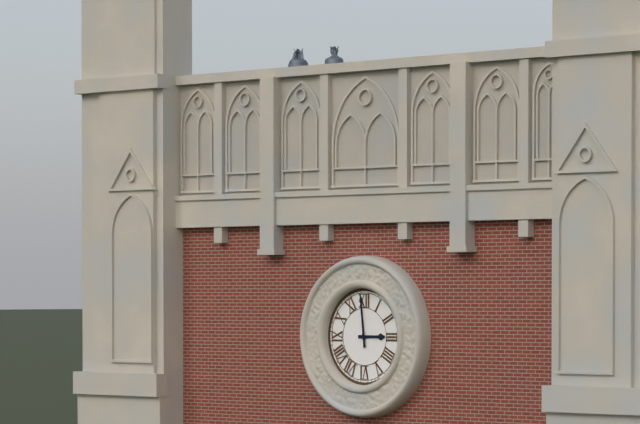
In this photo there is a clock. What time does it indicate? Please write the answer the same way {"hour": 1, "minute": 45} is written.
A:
{"hour": 2, "minute": 59}
